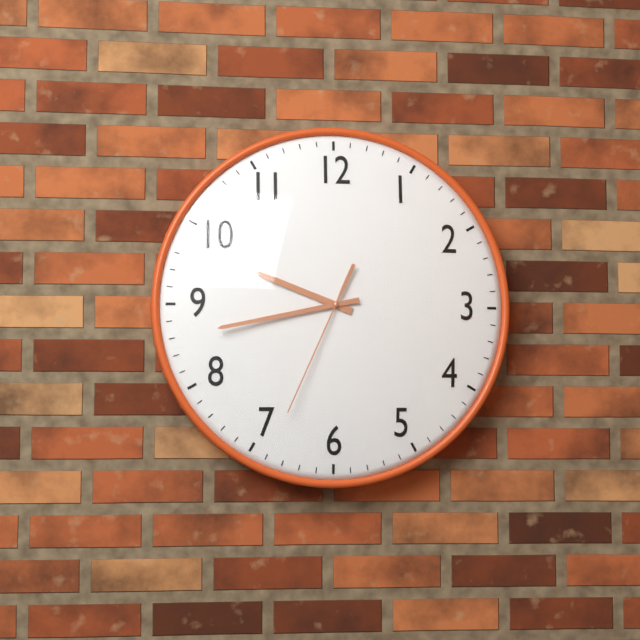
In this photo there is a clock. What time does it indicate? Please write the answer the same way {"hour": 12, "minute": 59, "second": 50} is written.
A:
{"hour": 9, "minute": 43, "second": 34}
